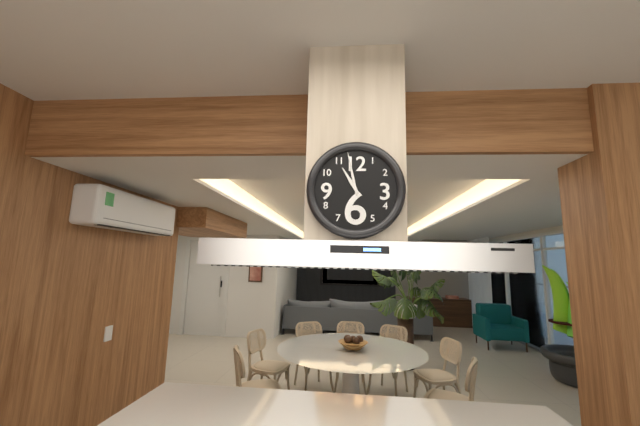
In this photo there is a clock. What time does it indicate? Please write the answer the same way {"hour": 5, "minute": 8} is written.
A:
{"hour": 10, "minute": 58}
